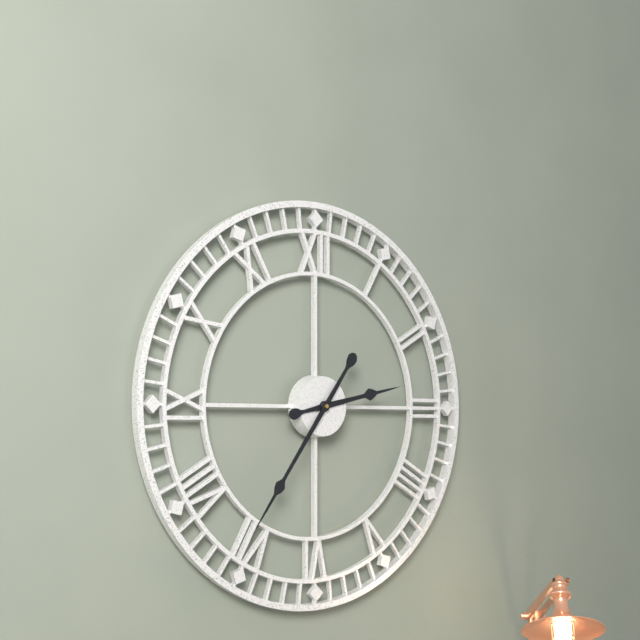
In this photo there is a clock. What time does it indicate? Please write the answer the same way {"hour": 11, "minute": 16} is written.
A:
{"hour": 2, "minute": 36}
